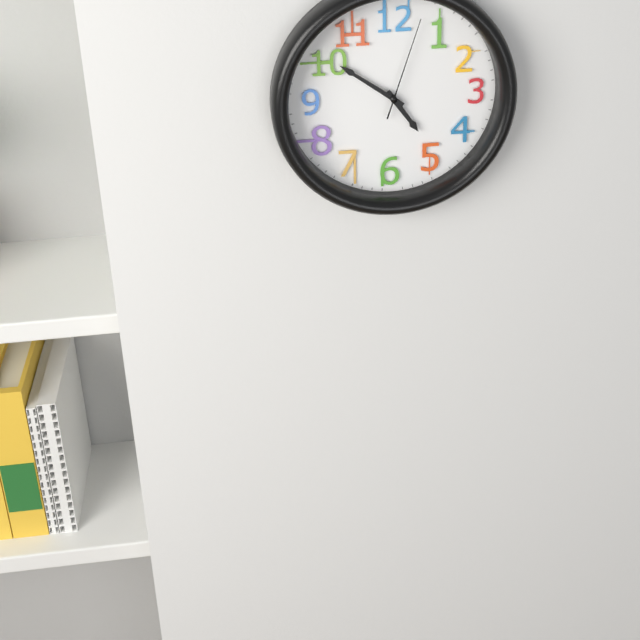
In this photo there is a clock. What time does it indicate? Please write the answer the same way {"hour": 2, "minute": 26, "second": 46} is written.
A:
{"hour": 4, "minute": 51, "second": 3}
